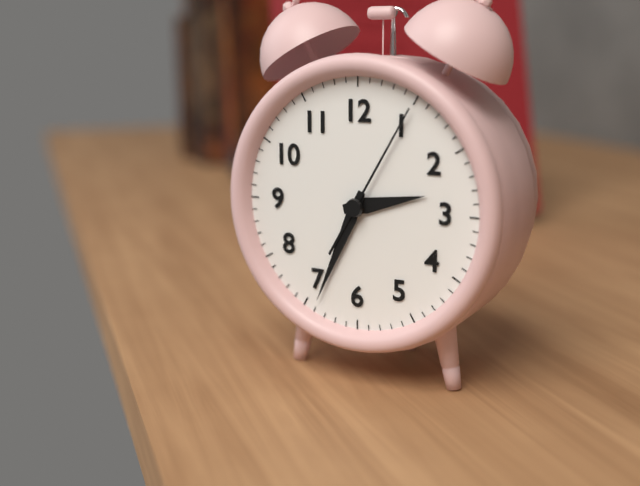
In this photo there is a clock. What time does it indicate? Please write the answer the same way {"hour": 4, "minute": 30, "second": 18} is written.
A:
{"hour": 2, "minute": 34, "second": 5}
